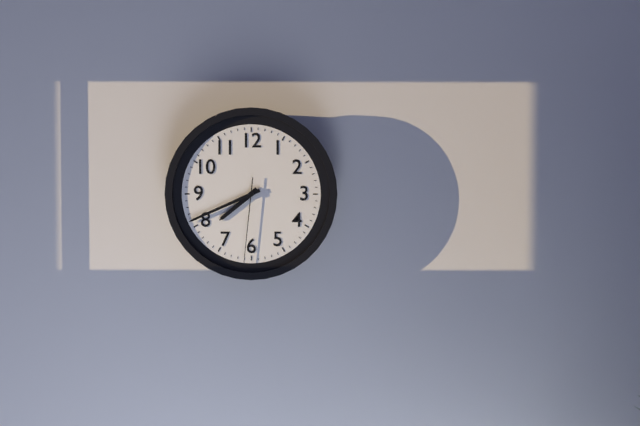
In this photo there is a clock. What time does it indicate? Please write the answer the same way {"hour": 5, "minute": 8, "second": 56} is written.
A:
{"hour": 7, "minute": 41, "second": 31}
